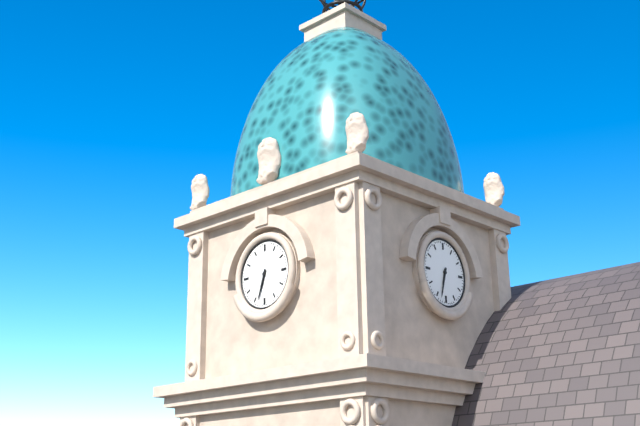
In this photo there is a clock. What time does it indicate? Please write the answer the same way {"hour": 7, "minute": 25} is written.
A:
{"hour": 6, "minute": 33}
